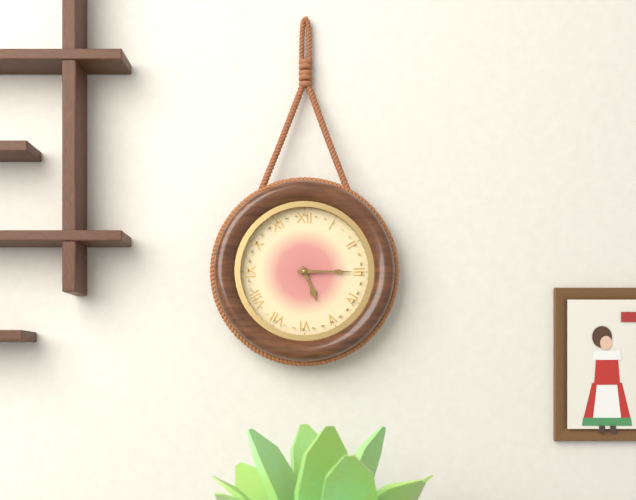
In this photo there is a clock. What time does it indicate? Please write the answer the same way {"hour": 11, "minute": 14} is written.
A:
{"hour": 5, "minute": 15}
